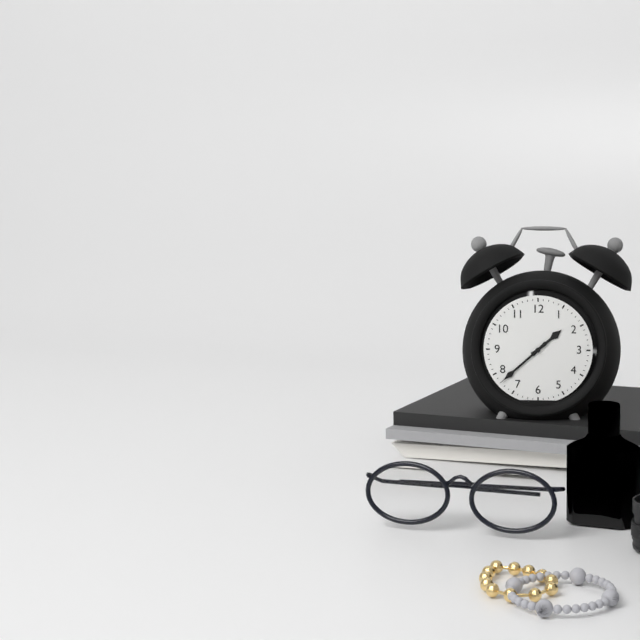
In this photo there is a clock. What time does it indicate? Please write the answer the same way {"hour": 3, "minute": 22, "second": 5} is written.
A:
{"hour": 1, "minute": 38, "second": 38}
